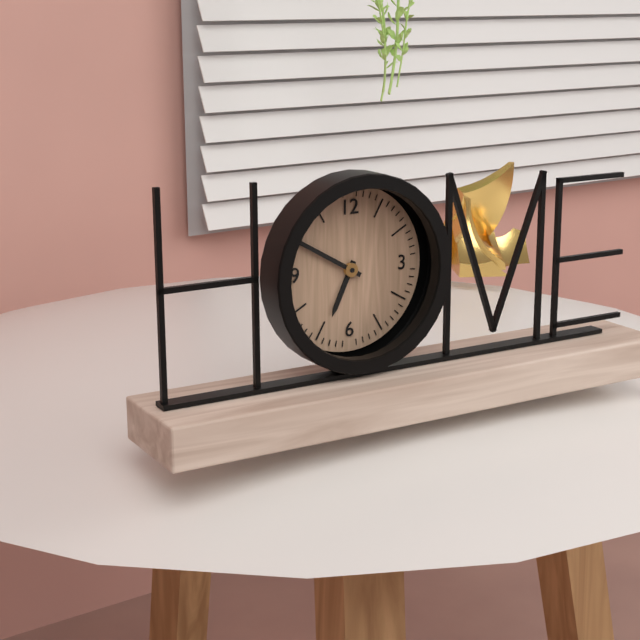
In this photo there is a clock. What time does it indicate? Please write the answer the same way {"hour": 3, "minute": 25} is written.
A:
{"hour": 6, "minute": 50}
